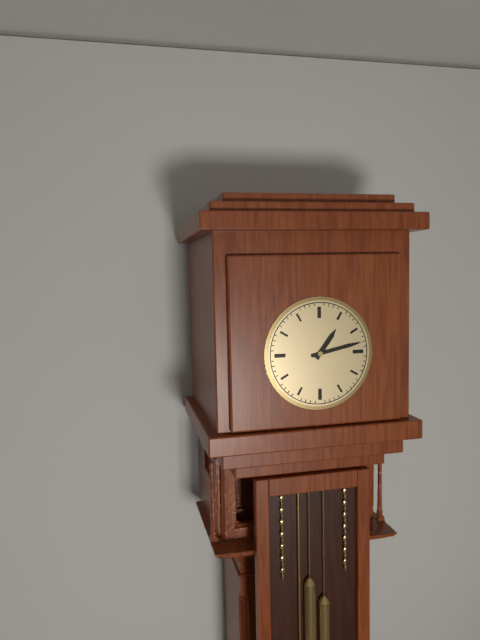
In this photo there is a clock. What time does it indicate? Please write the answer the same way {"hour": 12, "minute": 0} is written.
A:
{"hour": 1, "minute": 13}
